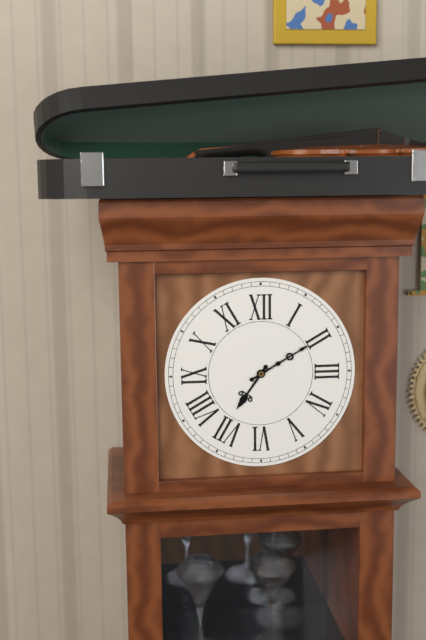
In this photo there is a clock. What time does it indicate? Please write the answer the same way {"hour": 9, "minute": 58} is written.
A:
{"hour": 7, "minute": 10}
